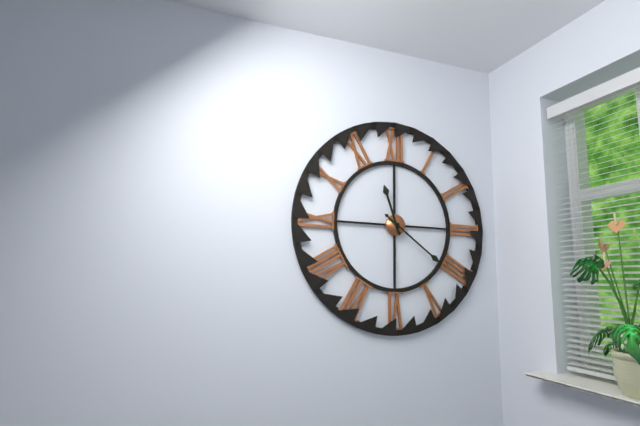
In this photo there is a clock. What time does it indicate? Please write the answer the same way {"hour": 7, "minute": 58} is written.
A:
{"hour": 11, "minute": 21}
